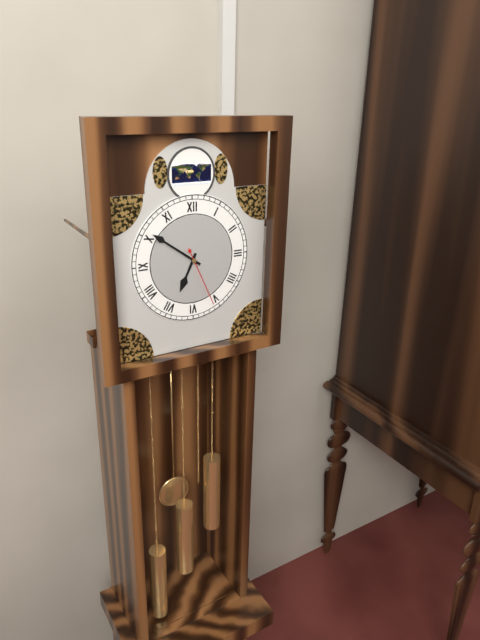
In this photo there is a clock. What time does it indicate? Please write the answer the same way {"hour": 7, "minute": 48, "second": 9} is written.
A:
{"hour": 6, "minute": 51, "second": 26}
